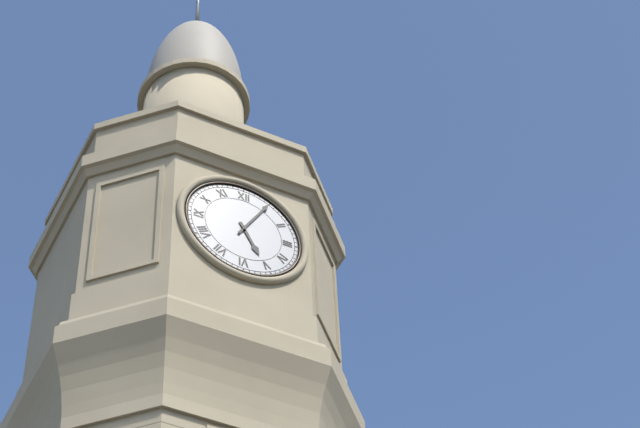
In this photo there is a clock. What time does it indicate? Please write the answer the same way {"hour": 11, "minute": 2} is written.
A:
{"hour": 5, "minute": 5}
